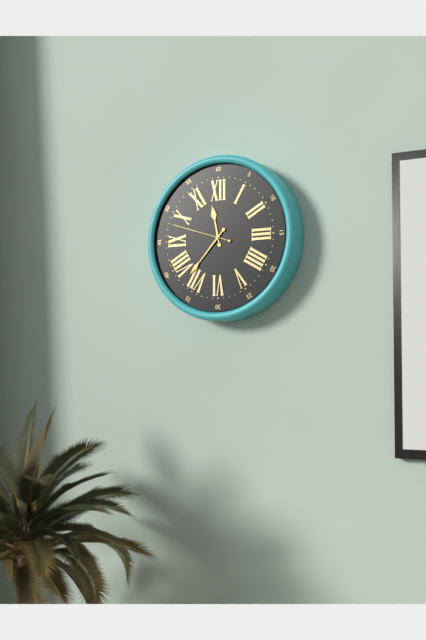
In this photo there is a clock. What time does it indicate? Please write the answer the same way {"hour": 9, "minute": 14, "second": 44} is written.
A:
{"hour": 11, "minute": 37, "second": 48}
